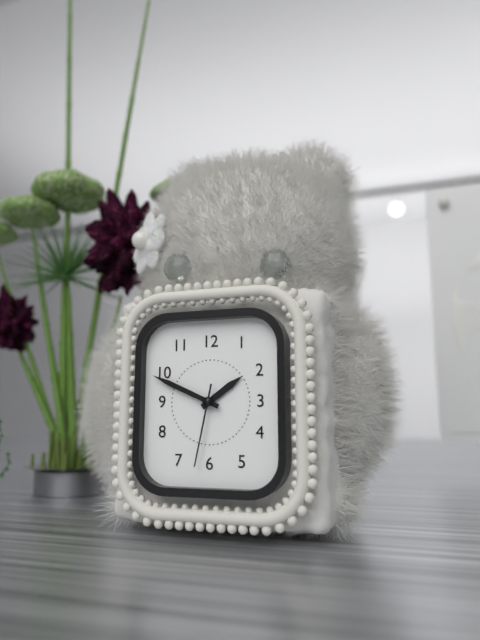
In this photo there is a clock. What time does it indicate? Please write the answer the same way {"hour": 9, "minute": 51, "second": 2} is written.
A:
{"hour": 1, "minute": 49, "second": 32}
